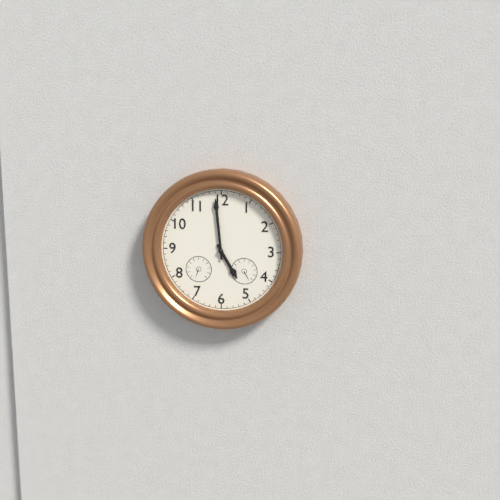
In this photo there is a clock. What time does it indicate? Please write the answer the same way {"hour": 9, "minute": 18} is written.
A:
{"hour": 4, "minute": 59}
